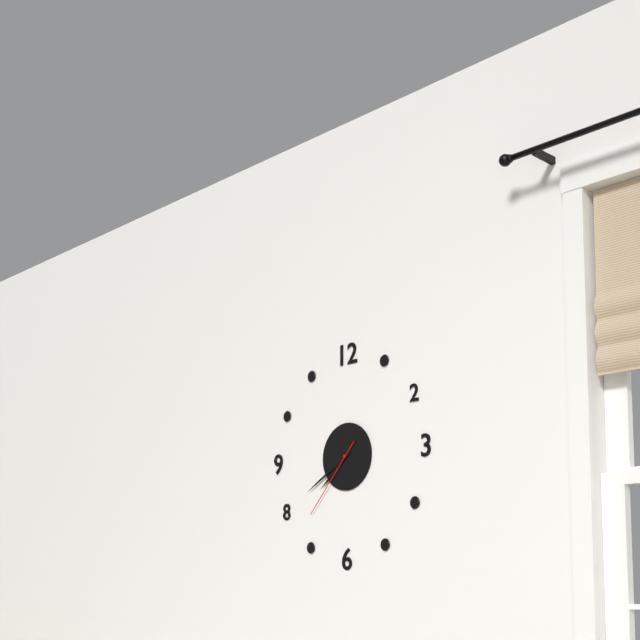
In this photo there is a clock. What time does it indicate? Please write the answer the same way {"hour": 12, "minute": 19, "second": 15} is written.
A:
{"hour": 7, "minute": 40, "second": 37}
